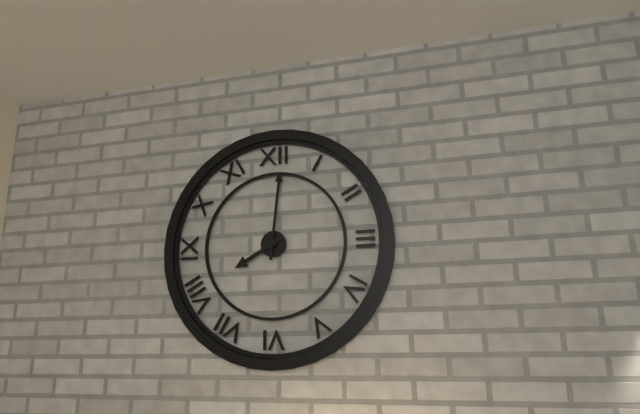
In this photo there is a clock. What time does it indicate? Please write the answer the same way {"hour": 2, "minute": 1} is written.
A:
{"hour": 8, "minute": 1}
